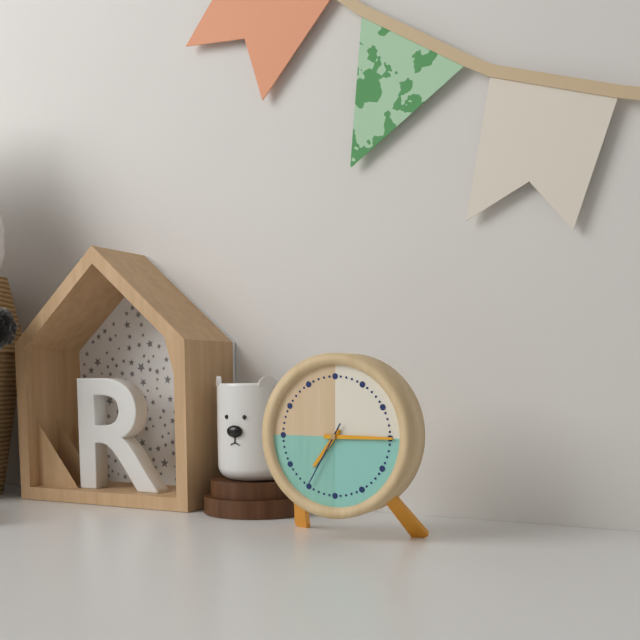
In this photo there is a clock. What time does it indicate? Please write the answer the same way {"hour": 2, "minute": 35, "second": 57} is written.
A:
{"hour": 7, "minute": 15, "second": 35}
